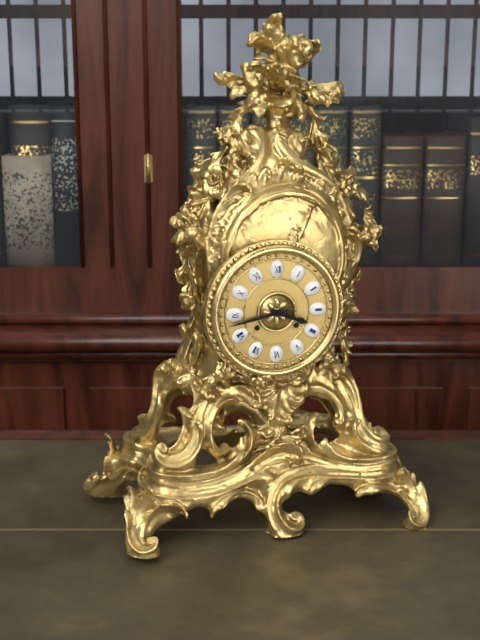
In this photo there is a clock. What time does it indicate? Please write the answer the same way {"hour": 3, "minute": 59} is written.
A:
{"hour": 3, "minute": 43}
